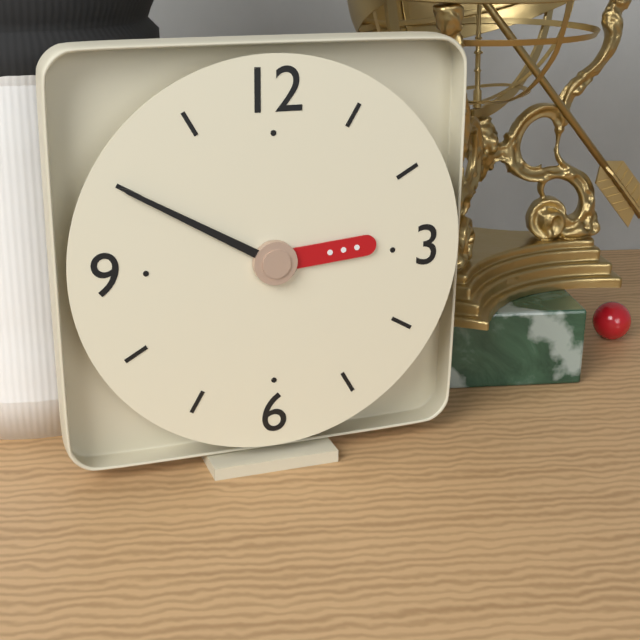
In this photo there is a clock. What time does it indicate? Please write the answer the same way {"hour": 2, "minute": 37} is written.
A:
{"hour": 2, "minute": 50}
